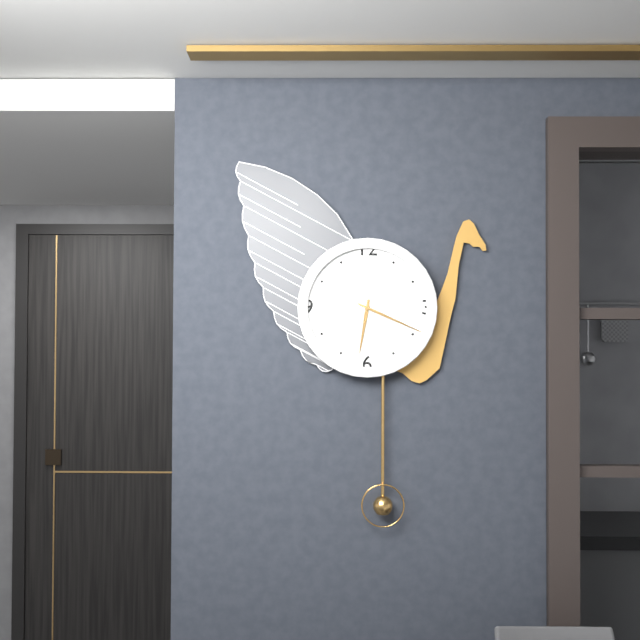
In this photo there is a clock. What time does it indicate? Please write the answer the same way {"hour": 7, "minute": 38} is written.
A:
{"hour": 6, "minute": 19}
